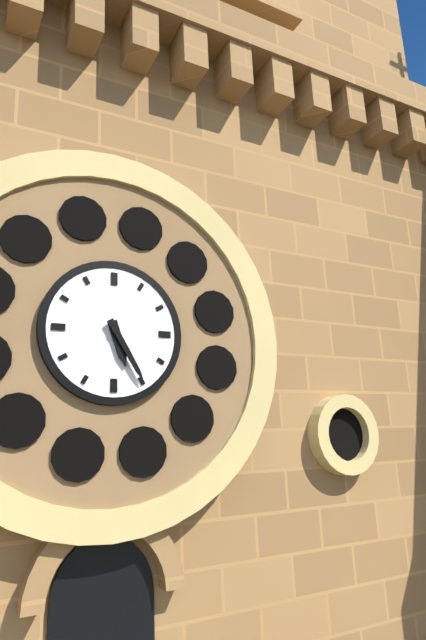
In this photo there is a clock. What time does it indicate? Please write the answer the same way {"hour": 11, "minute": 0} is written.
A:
{"hour": 5, "minute": 25}
